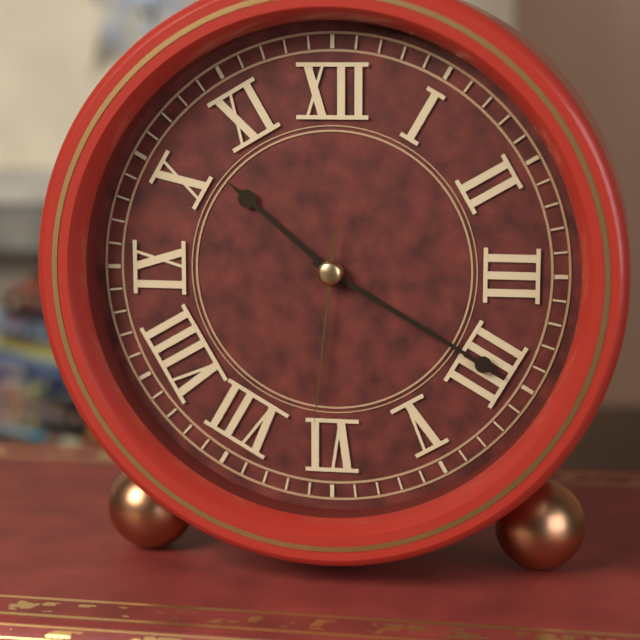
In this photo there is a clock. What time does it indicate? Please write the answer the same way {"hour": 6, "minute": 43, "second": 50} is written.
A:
{"hour": 10, "minute": 20, "second": 31}
